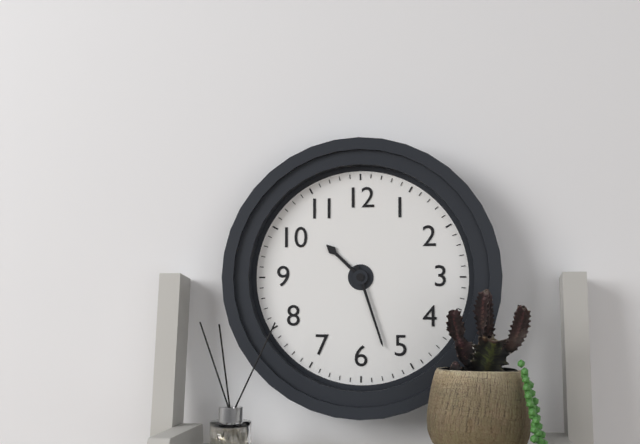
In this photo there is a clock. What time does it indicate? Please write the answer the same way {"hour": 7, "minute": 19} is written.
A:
{"hour": 10, "minute": 27}
